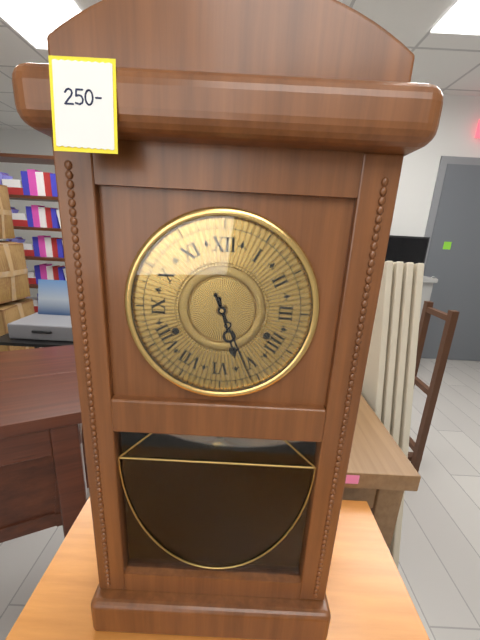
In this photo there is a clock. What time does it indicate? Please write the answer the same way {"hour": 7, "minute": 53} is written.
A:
{"hour": 5, "minute": 26}
